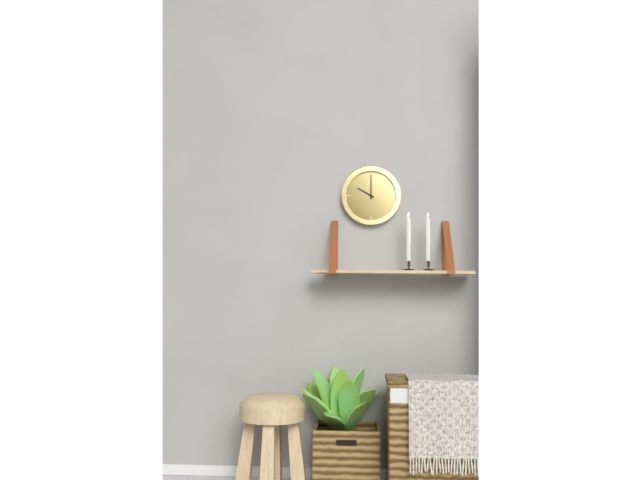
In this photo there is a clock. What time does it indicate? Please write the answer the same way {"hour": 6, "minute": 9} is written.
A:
{"hour": 10, "minute": 0}
